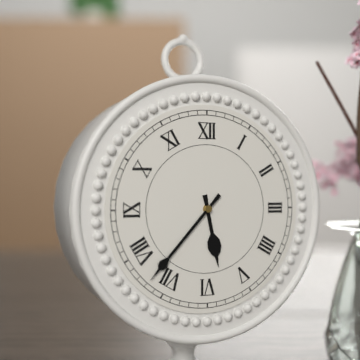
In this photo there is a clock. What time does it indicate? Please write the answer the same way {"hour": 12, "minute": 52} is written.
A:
{"hour": 5, "minute": 37}
